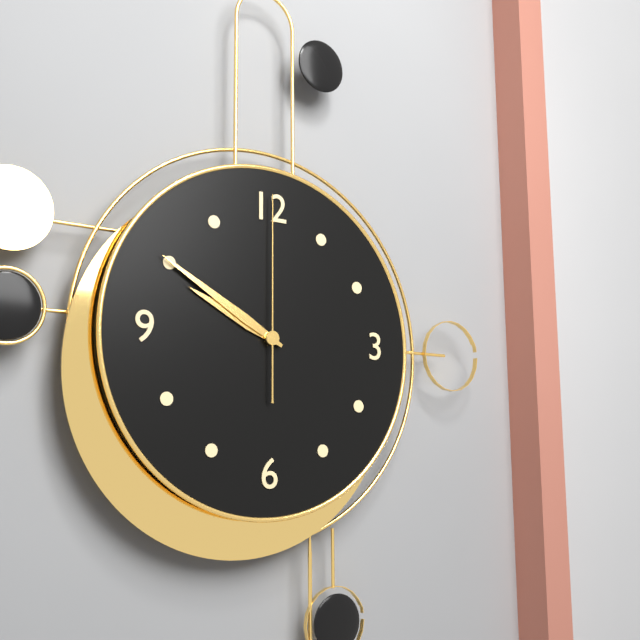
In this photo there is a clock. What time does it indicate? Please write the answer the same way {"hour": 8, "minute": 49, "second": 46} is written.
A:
{"hour": 9, "minute": 50, "second": 0}
